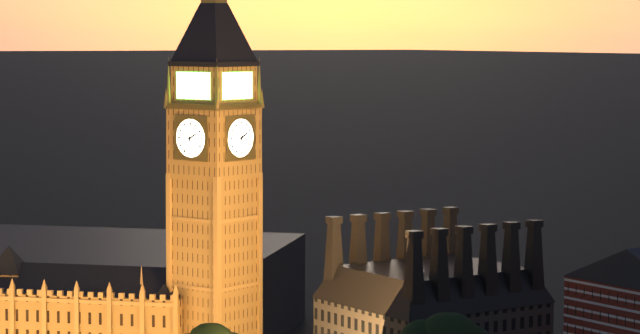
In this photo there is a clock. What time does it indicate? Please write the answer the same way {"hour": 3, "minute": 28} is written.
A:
{"hour": 2, "minute": 1}
